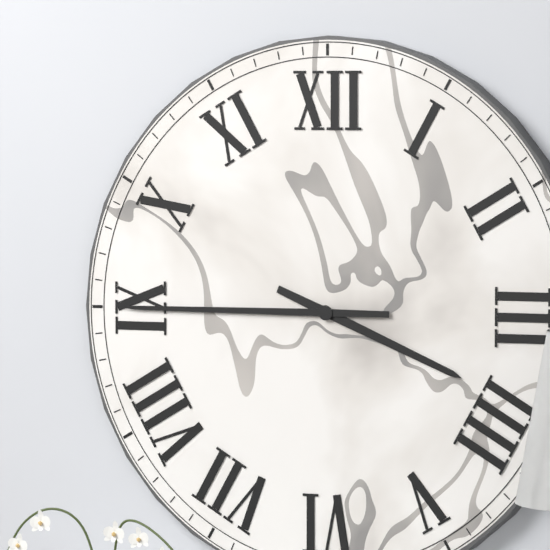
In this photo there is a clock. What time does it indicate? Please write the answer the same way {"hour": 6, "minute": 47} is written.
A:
{"hour": 3, "minute": 45}
